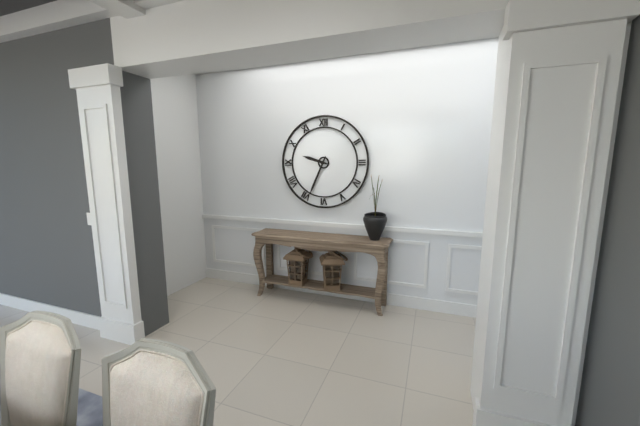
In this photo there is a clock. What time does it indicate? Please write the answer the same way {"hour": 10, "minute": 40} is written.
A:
{"hour": 9, "minute": 34}
